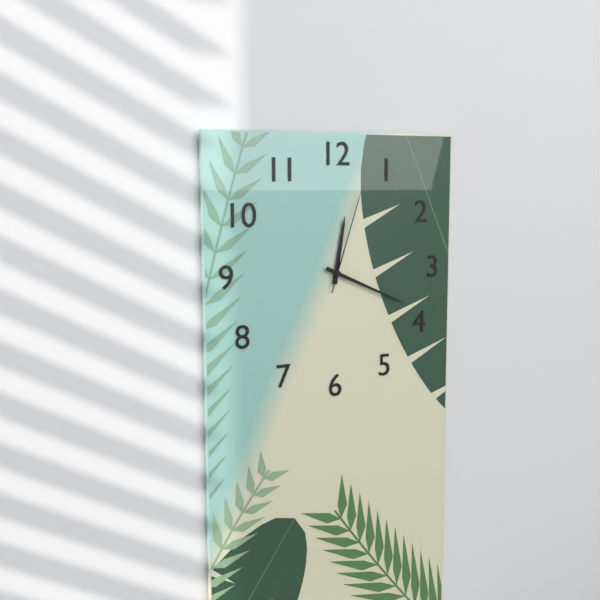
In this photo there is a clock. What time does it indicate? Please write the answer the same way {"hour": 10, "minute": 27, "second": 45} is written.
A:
{"hour": 12, "minute": 19, "second": 3}
